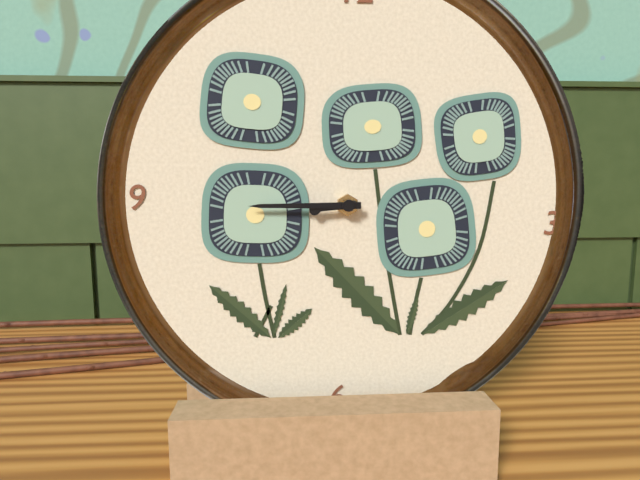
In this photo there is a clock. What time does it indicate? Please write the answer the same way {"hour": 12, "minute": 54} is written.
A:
{"hour": 8, "minute": 45}
